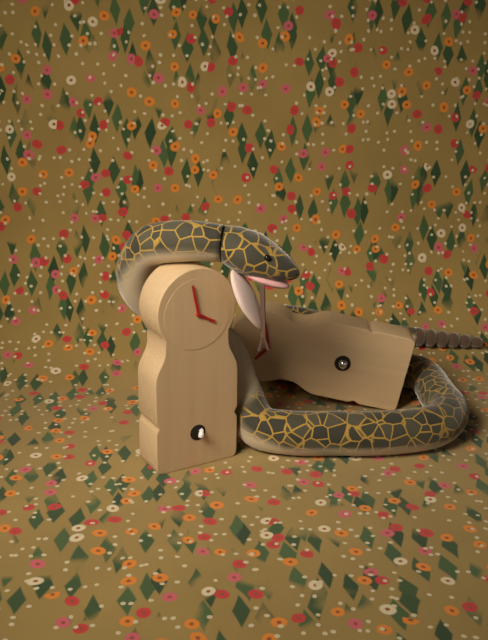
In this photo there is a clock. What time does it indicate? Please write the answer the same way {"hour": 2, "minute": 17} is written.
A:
{"hour": 3, "minute": 58}
